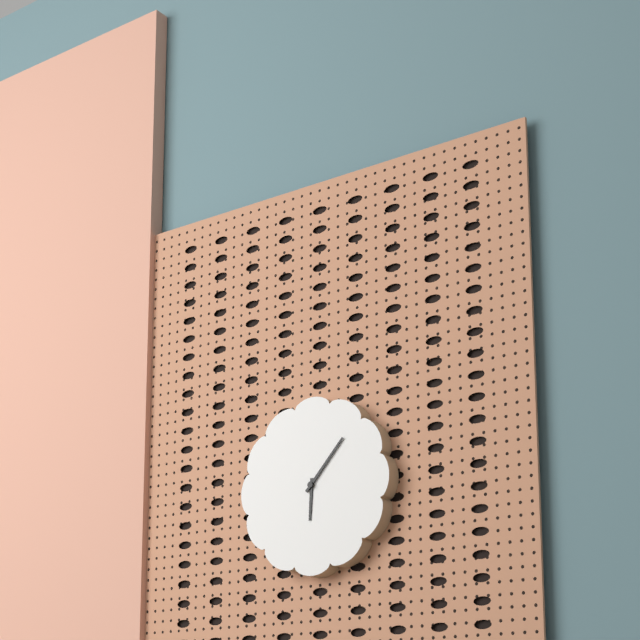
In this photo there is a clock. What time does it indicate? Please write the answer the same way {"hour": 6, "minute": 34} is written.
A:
{"hour": 6, "minute": 7}
